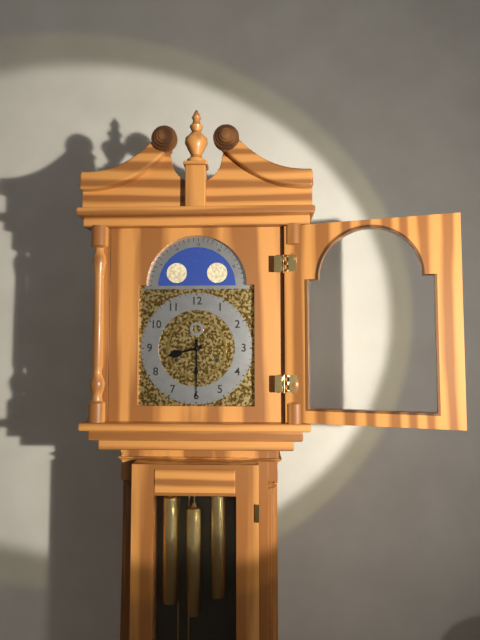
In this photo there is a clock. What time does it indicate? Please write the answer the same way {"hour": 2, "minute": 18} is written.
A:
{"hour": 8, "minute": 30}
